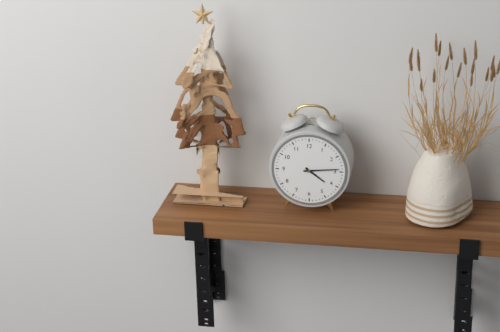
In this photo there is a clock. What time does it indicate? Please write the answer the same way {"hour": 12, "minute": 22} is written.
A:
{"hour": 4, "minute": 14}
